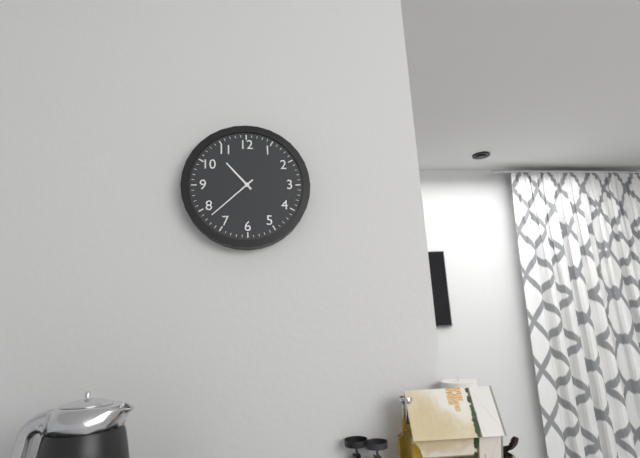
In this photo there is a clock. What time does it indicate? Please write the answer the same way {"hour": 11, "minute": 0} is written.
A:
{"hour": 10, "minute": 38}
